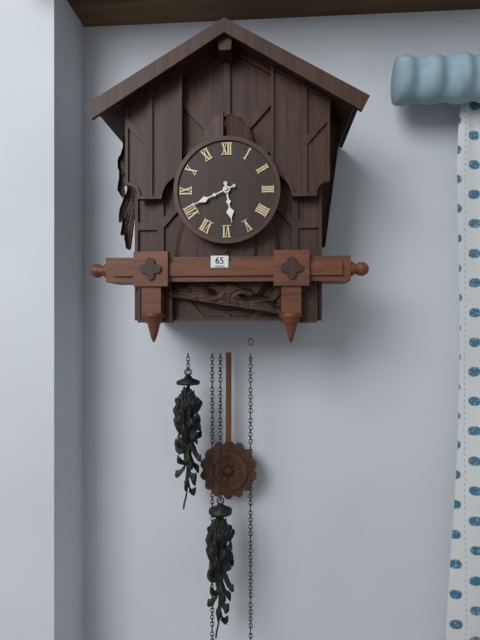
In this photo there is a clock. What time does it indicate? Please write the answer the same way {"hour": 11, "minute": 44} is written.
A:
{"hour": 5, "minute": 41}
